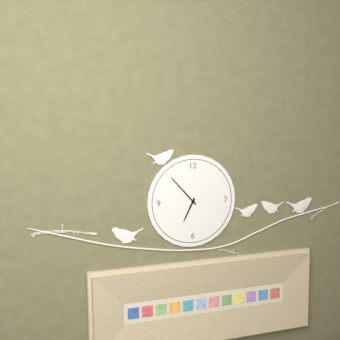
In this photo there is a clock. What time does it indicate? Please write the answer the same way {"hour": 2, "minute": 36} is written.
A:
{"hour": 6, "minute": 53}
